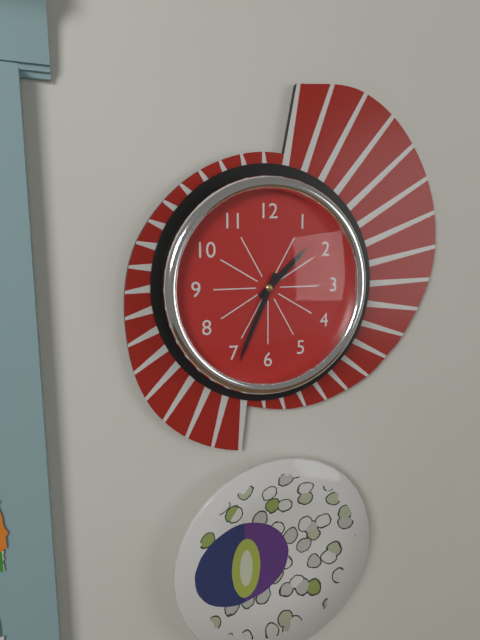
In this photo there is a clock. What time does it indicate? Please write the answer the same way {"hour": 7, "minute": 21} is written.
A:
{"hour": 1, "minute": 34}
